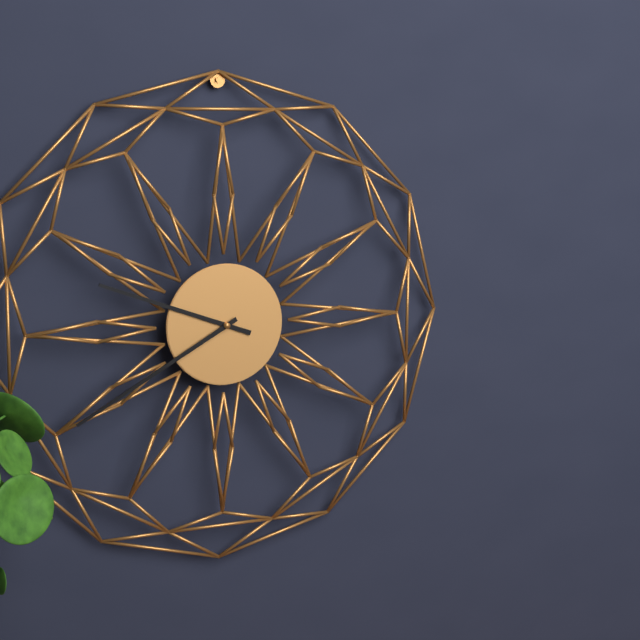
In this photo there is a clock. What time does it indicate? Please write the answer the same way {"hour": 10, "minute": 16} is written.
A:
{"hour": 9, "minute": 40}
